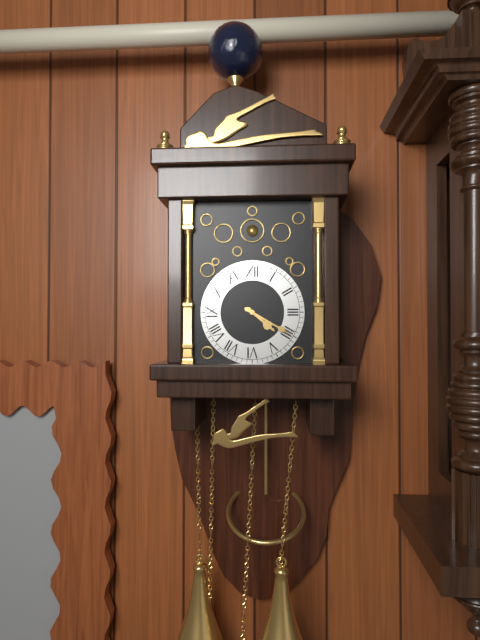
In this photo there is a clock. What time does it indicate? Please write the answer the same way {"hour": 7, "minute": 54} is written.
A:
{"hour": 4, "minute": 20}
